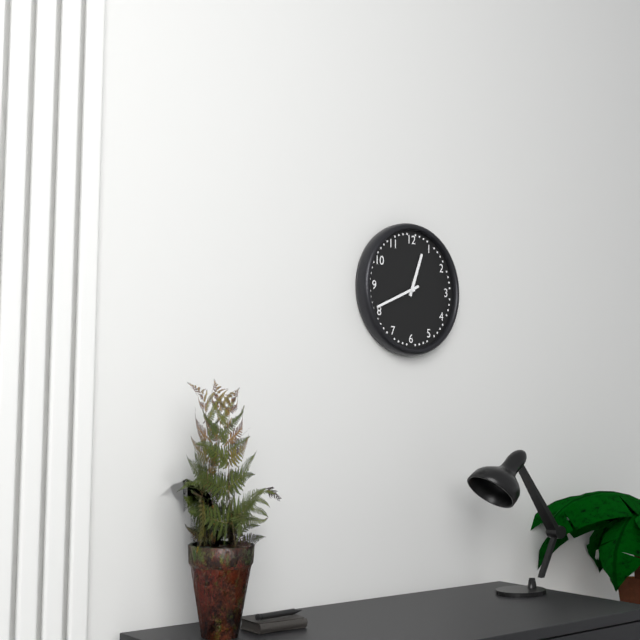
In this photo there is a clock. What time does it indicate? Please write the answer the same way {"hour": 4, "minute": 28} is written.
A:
{"hour": 12, "minute": 41}
